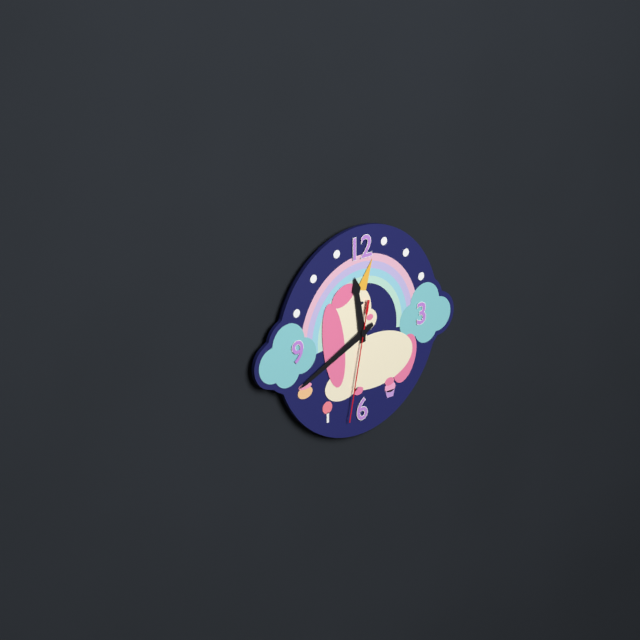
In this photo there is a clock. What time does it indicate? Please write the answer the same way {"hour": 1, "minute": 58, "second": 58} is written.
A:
{"hour": 11, "minute": 41, "second": 32}
